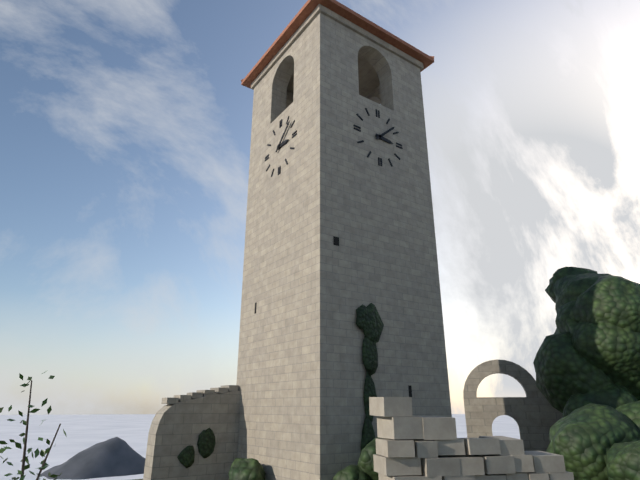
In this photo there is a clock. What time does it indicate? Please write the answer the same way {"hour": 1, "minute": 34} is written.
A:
{"hour": 3, "minute": 8}
